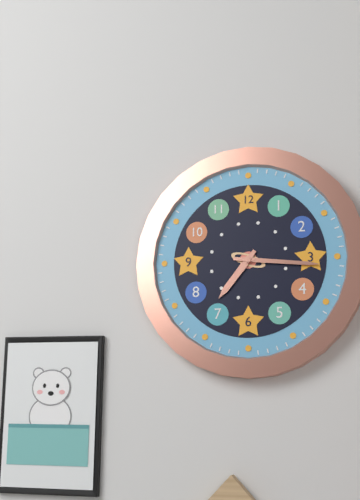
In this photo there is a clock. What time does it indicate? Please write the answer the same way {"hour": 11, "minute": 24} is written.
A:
{"hour": 7, "minute": 16}
